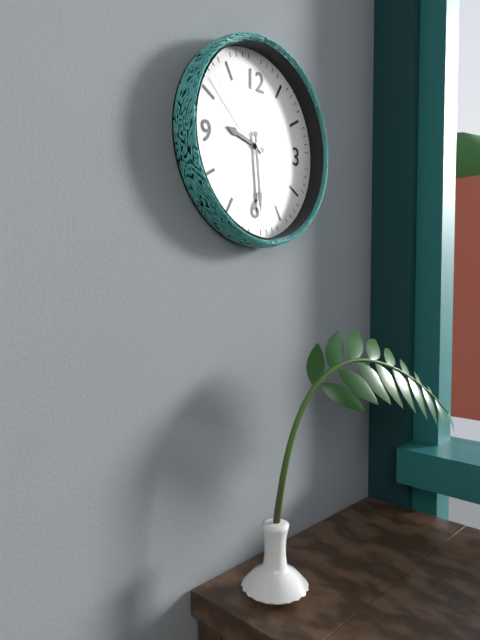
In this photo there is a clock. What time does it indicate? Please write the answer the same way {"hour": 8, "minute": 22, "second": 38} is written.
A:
{"hour": 9, "minute": 29, "second": 52}
